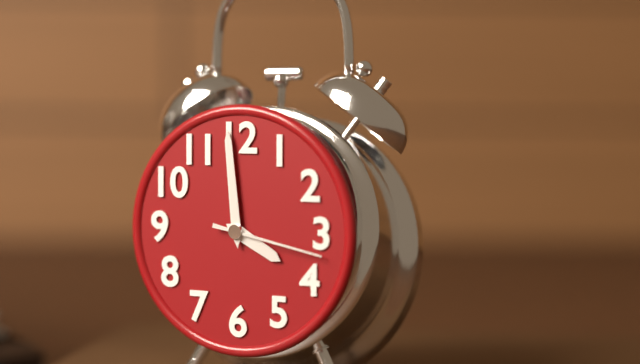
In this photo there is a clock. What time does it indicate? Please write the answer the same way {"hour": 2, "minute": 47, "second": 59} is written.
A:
{"hour": 3, "minute": 59, "second": 17}
